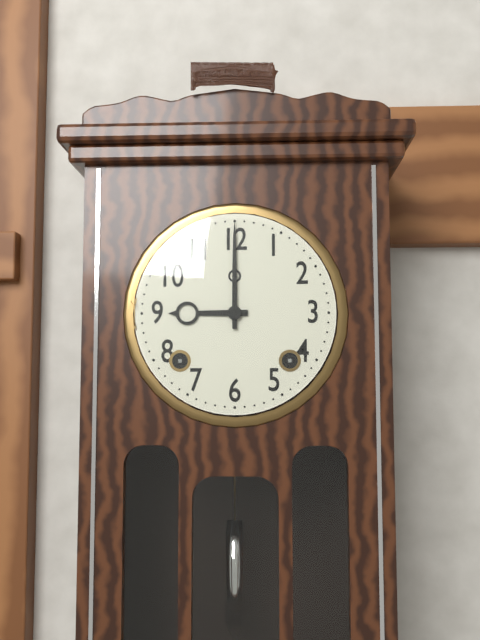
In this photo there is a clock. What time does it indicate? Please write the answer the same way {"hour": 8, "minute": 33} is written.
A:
{"hour": 9, "minute": 0}
